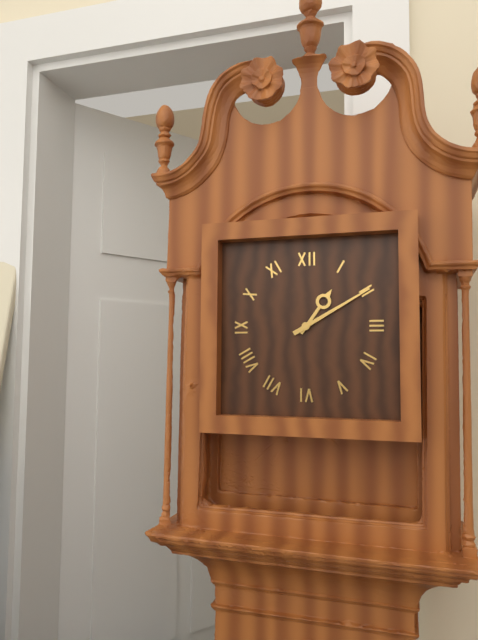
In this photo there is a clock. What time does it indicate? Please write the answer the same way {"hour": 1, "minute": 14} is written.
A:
{"hour": 1, "minute": 10}
